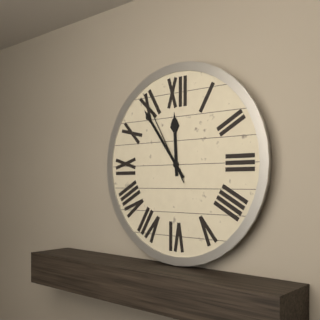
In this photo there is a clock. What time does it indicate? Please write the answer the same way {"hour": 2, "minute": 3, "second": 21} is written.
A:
{"hour": 11, "minute": 54, "second": 55}
